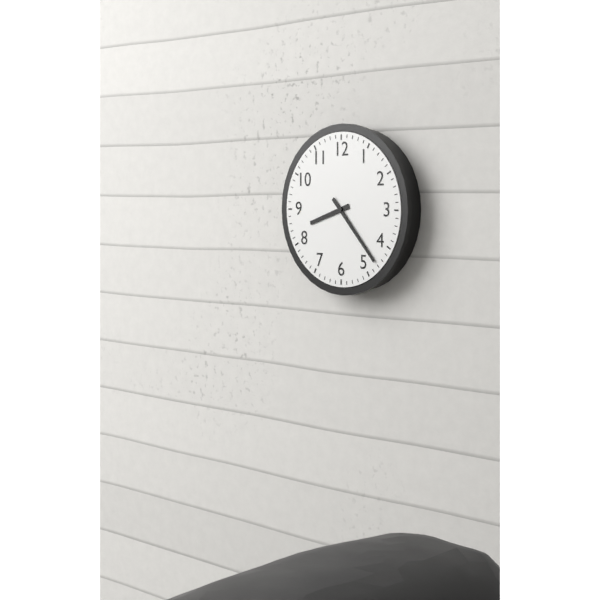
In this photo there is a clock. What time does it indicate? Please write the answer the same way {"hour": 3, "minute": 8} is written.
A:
{"hour": 8, "minute": 23}
